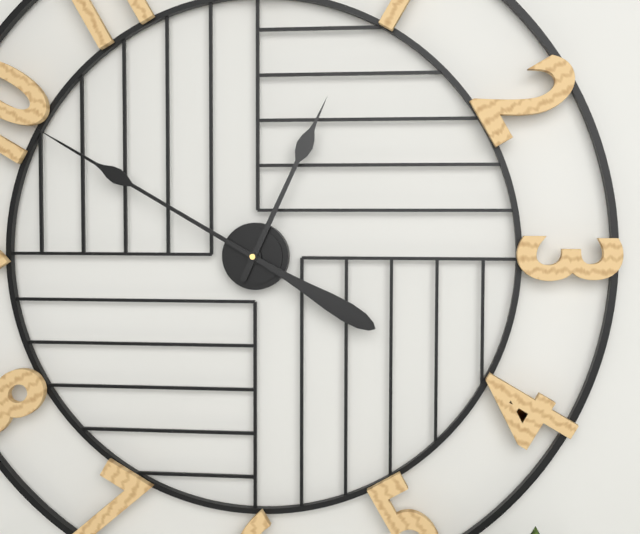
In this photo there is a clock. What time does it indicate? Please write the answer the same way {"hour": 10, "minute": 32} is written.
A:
{"hour": 12, "minute": 50}
